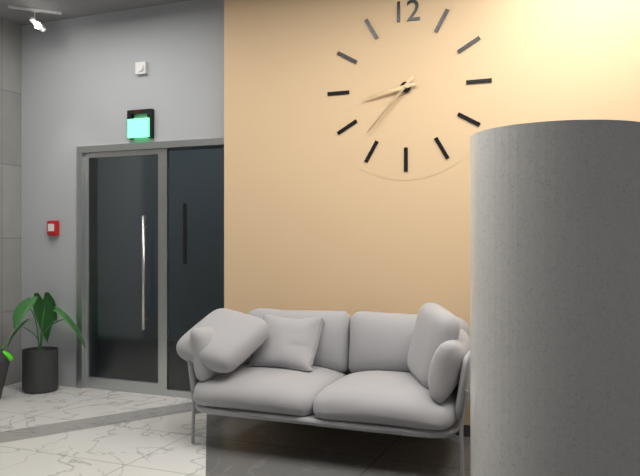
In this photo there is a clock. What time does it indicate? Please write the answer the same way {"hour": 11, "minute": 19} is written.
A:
{"hour": 8, "minute": 37}
